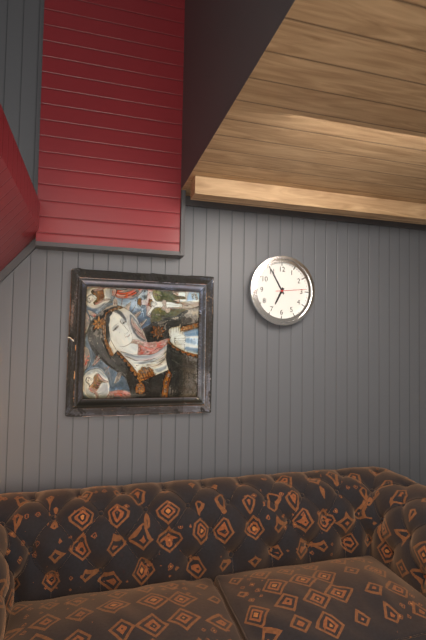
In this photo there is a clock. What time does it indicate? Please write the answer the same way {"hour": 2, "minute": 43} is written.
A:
{"hour": 6, "minute": 55}
